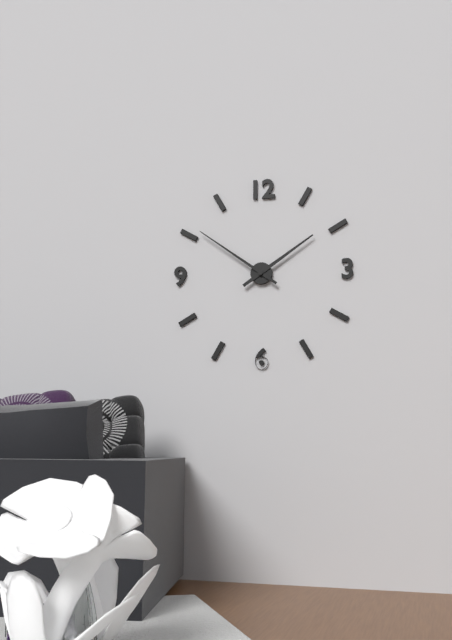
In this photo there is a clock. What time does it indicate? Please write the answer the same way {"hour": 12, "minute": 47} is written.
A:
{"hour": 1, "minute": 51}
